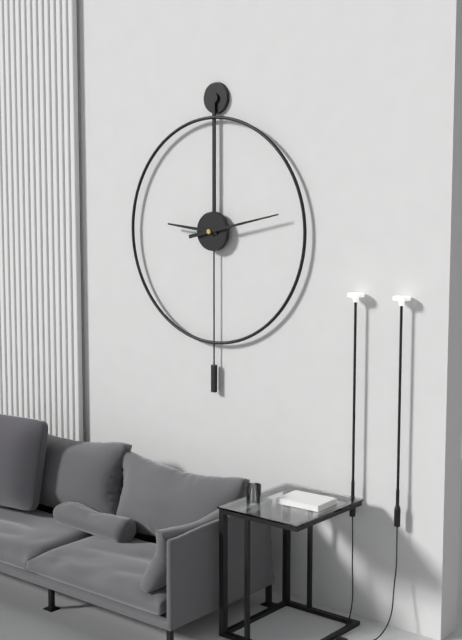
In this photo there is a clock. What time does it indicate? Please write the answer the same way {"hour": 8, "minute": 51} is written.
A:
{"hour": 9, "minute": 13}
